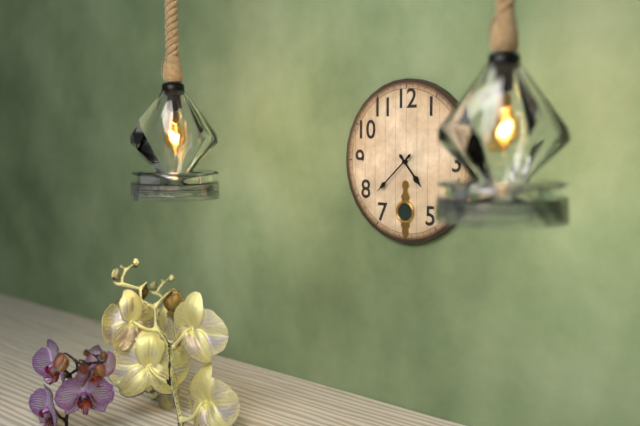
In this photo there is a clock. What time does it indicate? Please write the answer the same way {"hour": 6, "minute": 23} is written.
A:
{"hour": 4, "minute": 38}
